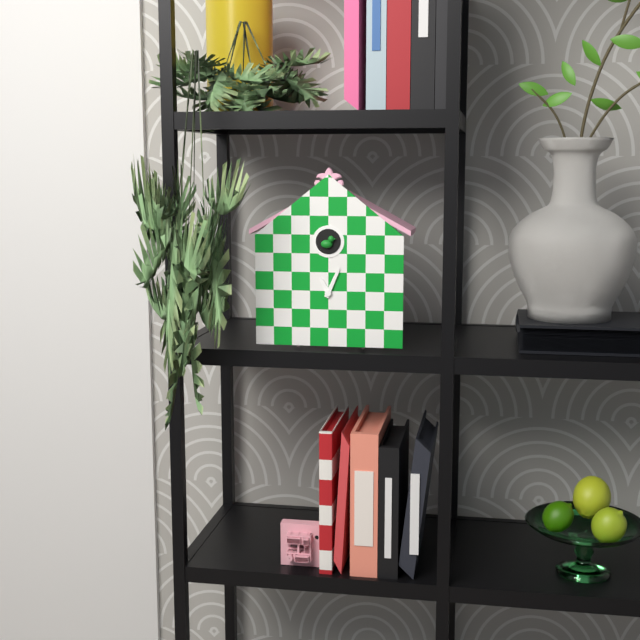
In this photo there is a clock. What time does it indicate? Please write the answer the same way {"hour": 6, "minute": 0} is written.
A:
{"hour": 11, "minute": 4}
